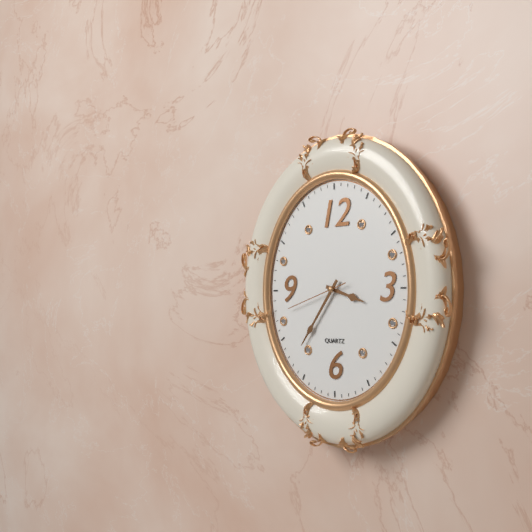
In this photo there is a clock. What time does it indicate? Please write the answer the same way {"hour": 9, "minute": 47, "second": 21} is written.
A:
{"hour": 3, "minute": 36, "second": 42}
